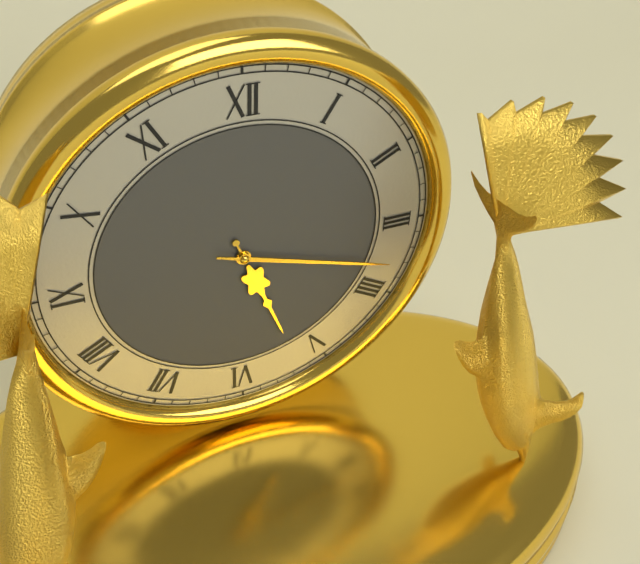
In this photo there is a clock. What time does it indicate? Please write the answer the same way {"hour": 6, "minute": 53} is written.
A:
{"hour": 5, "minute": 18}
